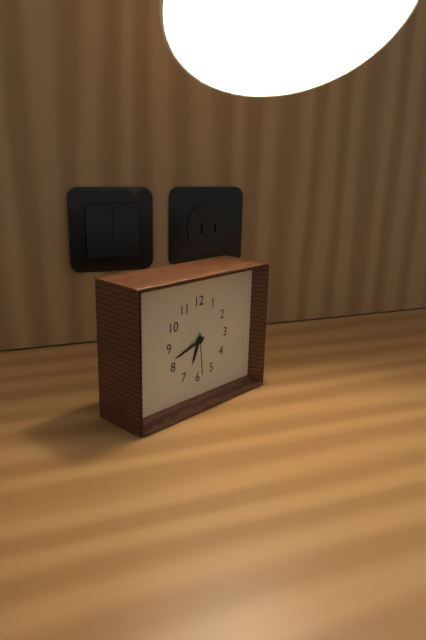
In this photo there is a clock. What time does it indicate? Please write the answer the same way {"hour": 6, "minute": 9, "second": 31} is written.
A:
{"hour": 6, "minute": 42, "second": 29}
